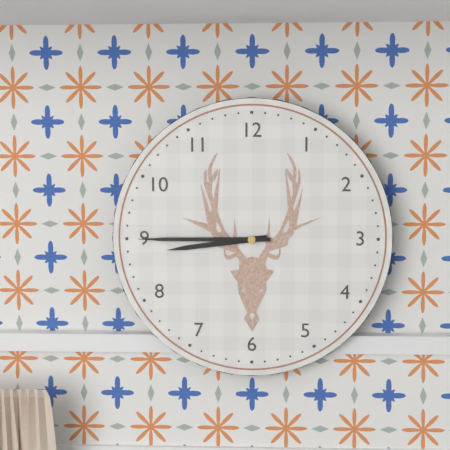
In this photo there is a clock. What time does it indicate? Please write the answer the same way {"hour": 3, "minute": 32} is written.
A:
{"hour": 8, "minute": 45}
